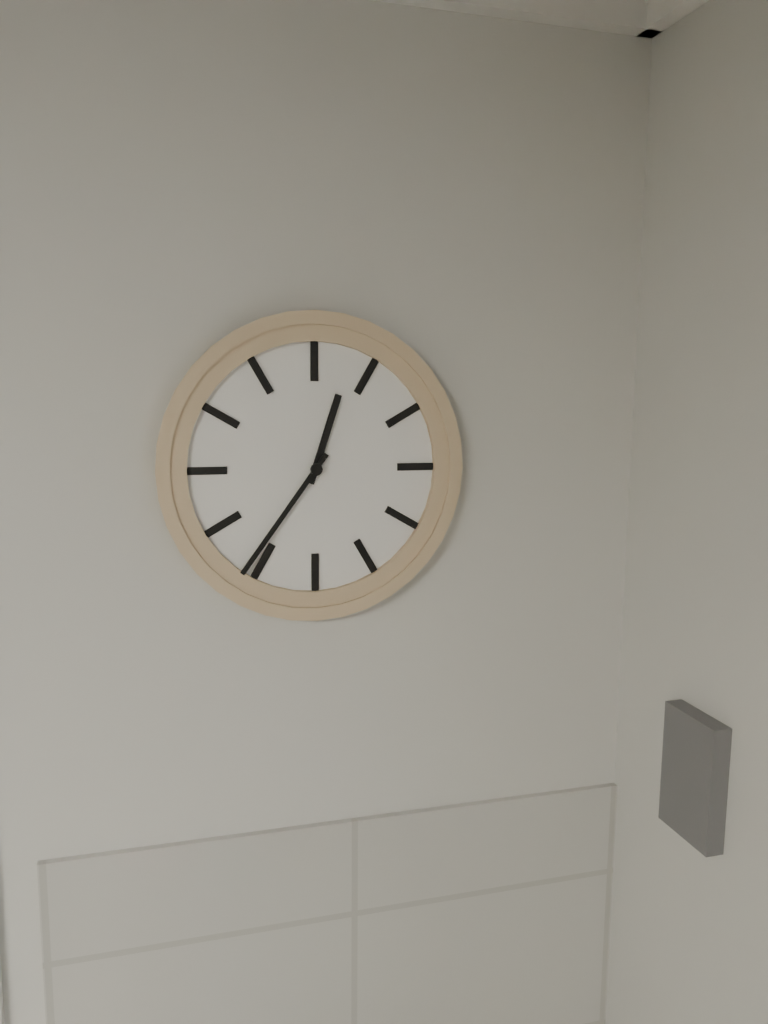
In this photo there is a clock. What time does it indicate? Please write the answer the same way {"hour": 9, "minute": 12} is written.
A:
{"hour": 12, "minute": 36}
